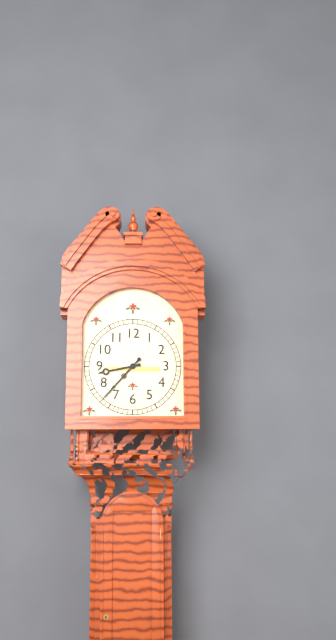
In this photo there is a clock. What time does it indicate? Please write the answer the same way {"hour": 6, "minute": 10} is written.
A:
{"hour": 8, "minute": 37}
